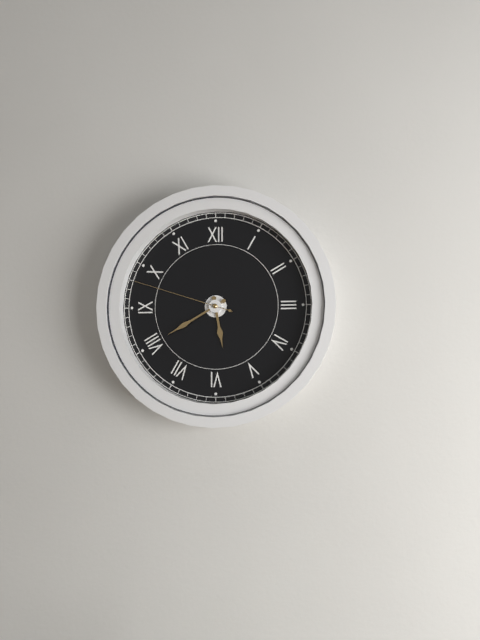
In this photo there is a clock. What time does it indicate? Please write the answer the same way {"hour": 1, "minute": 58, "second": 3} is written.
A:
{"hour": 5, "minute": 40, "second": 48}
